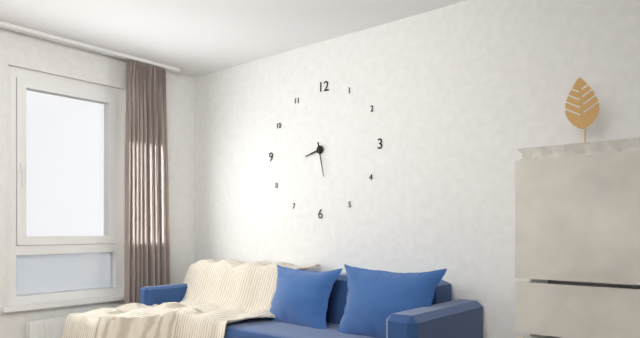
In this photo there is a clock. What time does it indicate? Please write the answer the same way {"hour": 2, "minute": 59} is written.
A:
{"hour": 8, "minute": 28}
